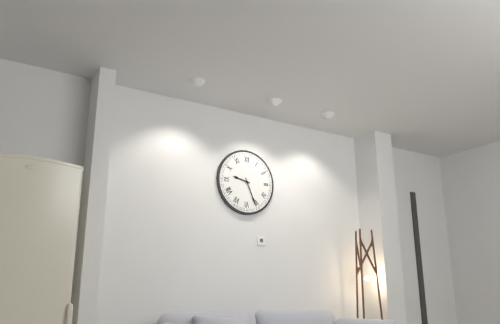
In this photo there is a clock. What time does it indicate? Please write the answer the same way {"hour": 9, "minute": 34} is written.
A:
{"hour": 9, "minute": 26}
